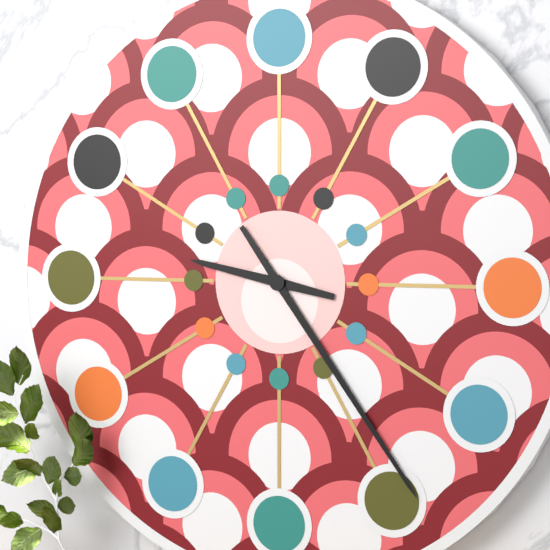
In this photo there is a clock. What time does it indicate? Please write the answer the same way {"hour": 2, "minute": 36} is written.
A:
{"hour": 9, "minute": 24}
